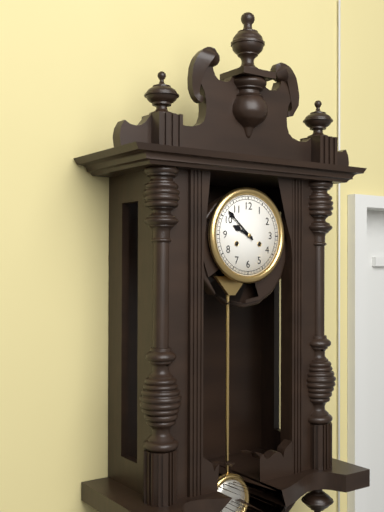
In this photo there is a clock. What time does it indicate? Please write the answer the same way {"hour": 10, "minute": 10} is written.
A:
{"hour": 9, "minute": 52}
